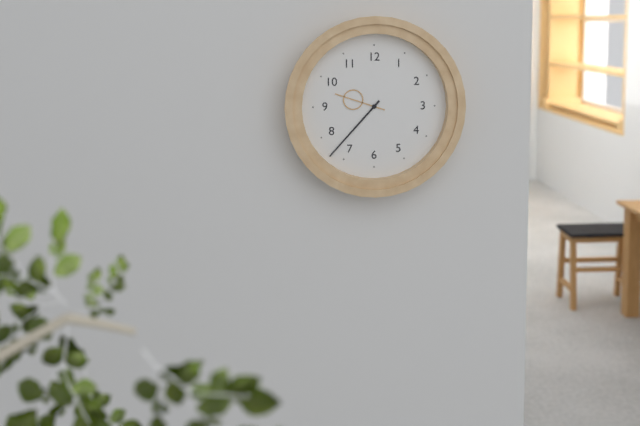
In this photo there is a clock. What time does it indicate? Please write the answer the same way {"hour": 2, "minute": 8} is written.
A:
{"hour": 9, "minute": 37}
